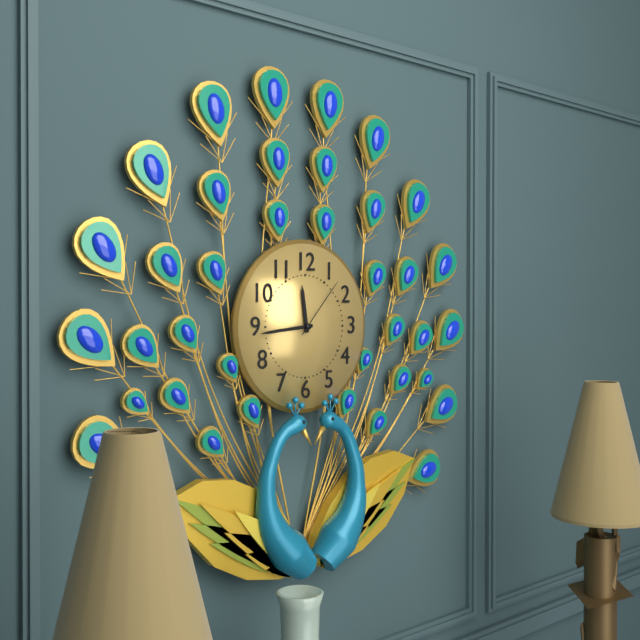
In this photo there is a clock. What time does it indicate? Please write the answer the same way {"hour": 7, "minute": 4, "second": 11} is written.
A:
{"hour": 11, "minute": 44, "second": 7}
